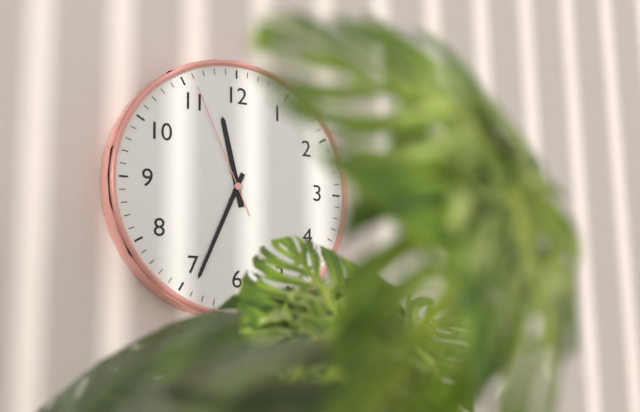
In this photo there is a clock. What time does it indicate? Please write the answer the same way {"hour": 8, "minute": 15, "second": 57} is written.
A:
{"hour": 11, "minute": 34, "second": 56}
